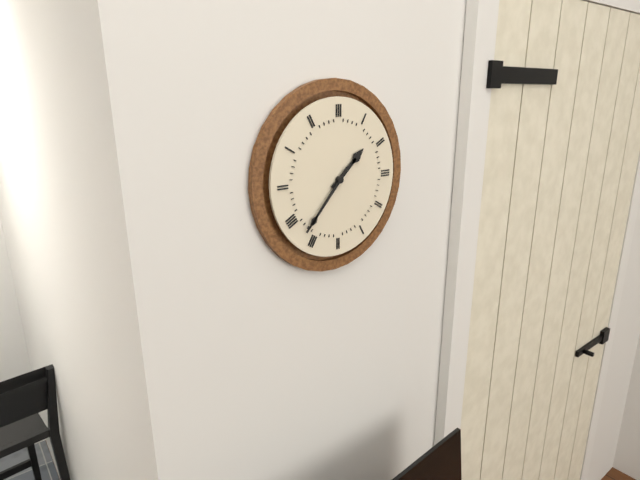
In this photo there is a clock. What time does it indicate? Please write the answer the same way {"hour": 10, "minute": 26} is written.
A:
{"hour": 1, "minute": 37}
